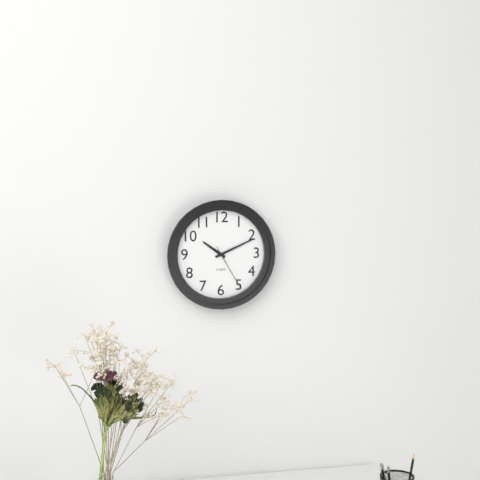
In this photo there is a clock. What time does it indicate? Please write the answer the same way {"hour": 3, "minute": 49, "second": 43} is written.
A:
{"hour": 10, "minute": 11, "second": 25}
